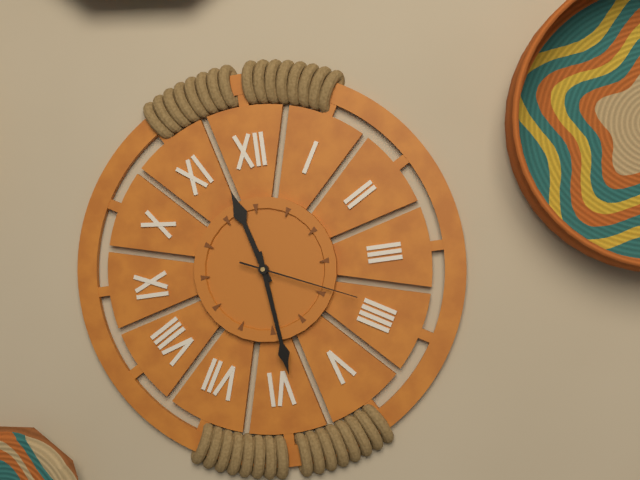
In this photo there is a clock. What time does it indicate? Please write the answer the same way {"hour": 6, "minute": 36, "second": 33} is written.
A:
{"hour": 11, "minute": 29, "second": 19}
